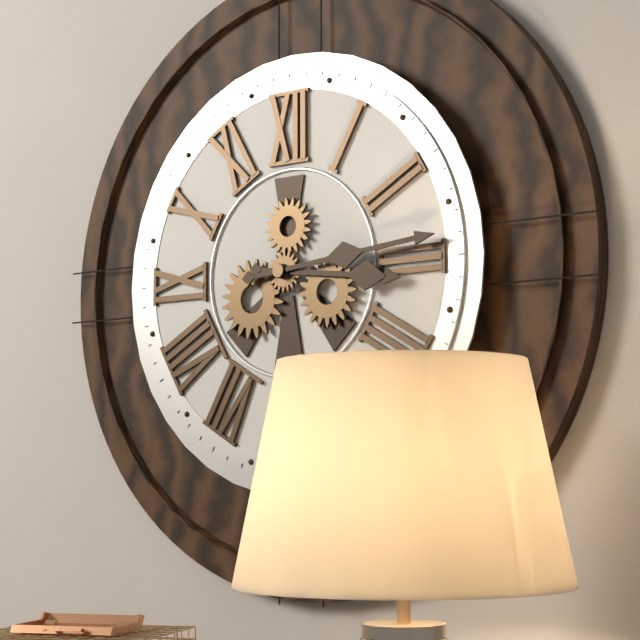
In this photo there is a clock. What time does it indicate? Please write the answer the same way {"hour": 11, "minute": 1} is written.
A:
{"hour": 3, "minute": 14}
